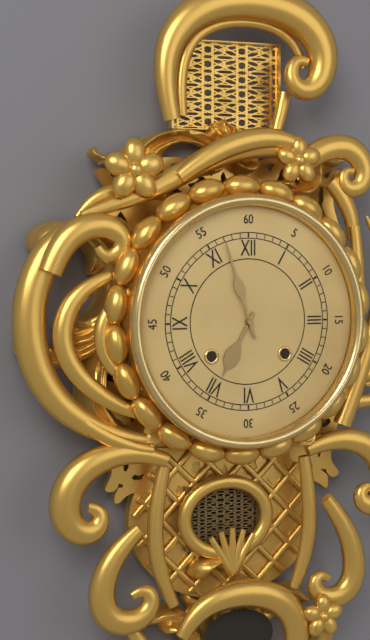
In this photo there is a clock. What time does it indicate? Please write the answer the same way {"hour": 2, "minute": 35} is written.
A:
{"hour": 6, "minute": 57}
